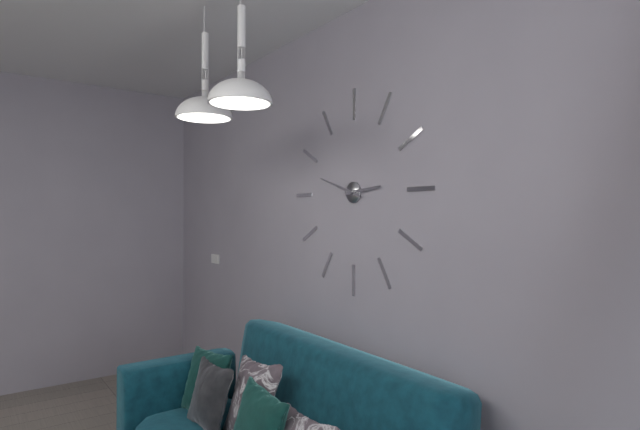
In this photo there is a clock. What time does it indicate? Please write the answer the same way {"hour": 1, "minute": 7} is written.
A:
{"hour": 2, "minute": 48}
